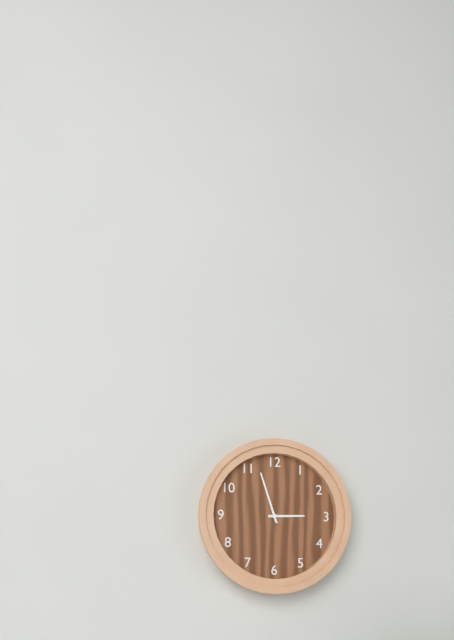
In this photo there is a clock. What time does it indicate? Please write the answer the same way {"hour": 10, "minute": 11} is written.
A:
{"hour": 2, "minute": 57}
